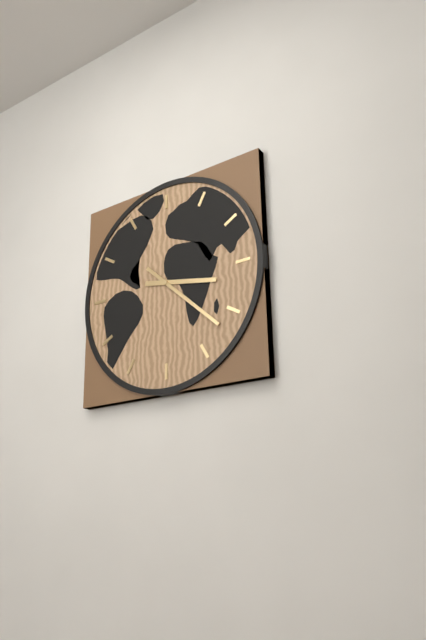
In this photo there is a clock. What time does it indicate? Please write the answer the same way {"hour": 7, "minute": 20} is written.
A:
{"hour": 3, "minute": 22}
